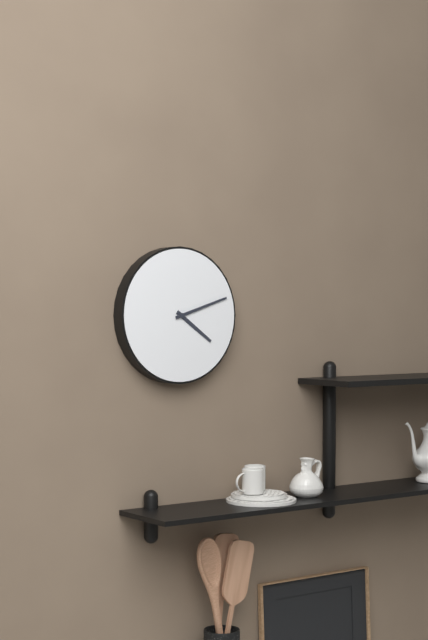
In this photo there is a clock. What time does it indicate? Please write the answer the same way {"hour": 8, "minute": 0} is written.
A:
{"hour": 4, "minute": 12}
